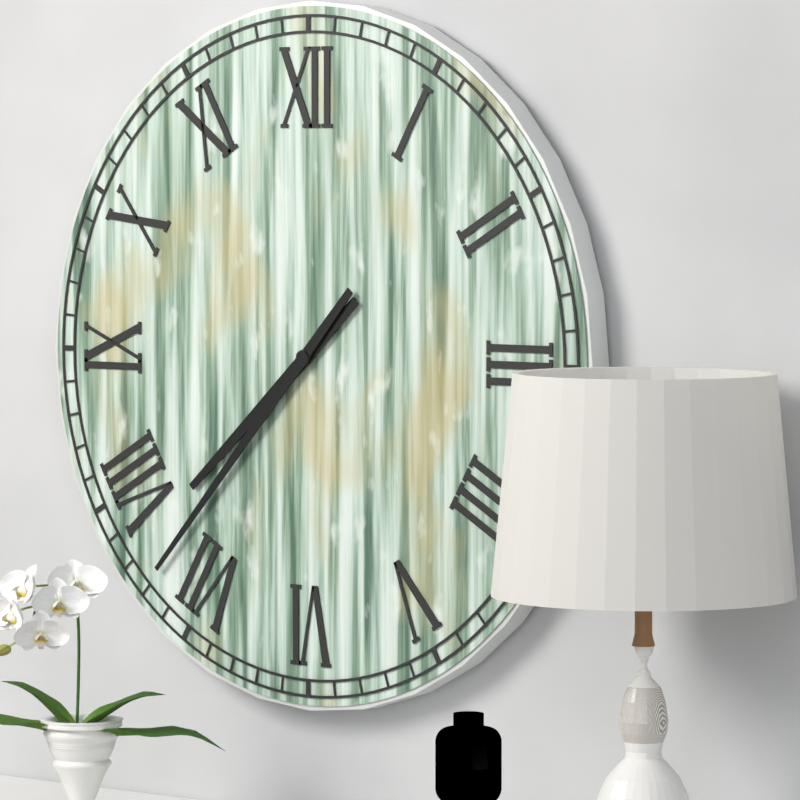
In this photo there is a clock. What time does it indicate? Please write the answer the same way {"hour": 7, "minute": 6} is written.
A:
{"hour": 7, "minute": 37}
